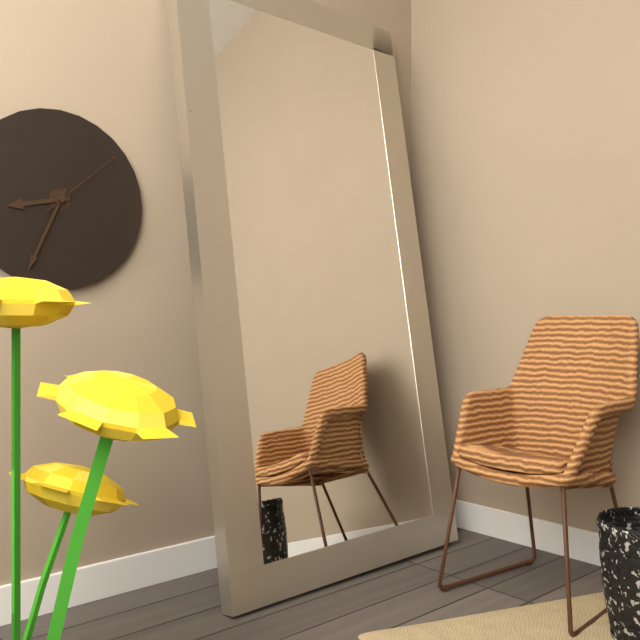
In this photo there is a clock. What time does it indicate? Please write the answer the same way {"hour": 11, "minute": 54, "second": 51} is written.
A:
{"hour": 8, "minute": 34, "second": 8}
